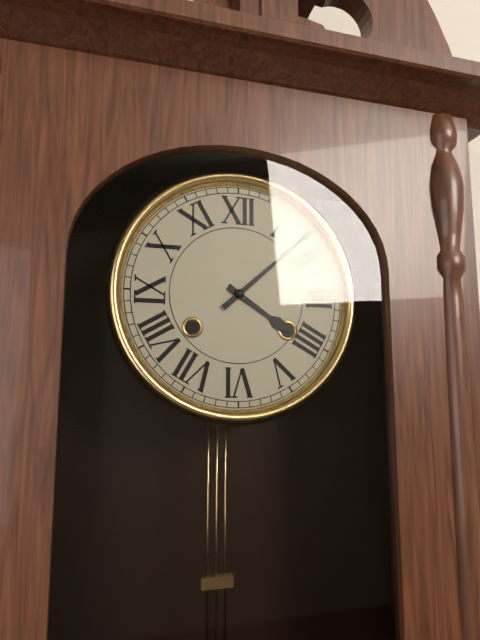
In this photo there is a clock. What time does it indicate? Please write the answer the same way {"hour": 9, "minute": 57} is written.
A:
{"hour": 4, "minute": 8}
